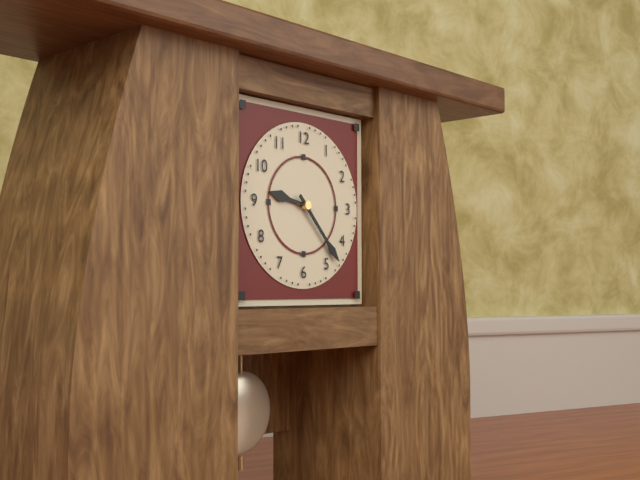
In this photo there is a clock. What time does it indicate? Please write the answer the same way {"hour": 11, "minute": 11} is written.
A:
{"hour": 9, "minute": 23}
